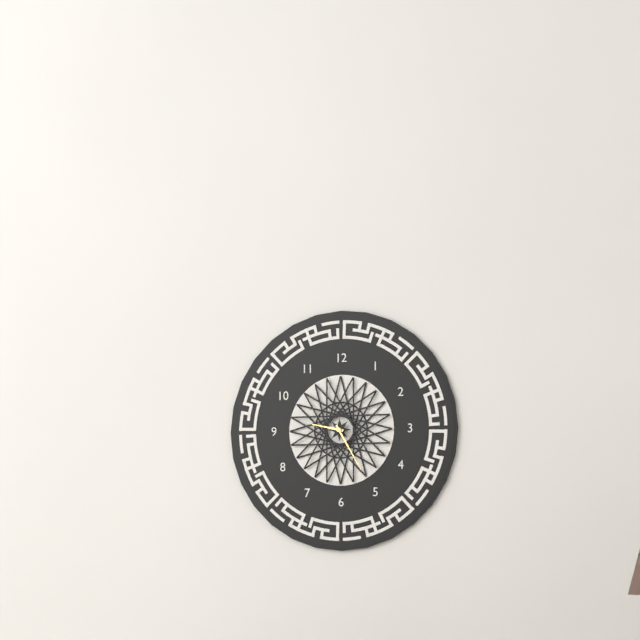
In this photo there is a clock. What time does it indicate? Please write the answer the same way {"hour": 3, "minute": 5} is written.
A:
{"hour": 9, "minute": 25}
